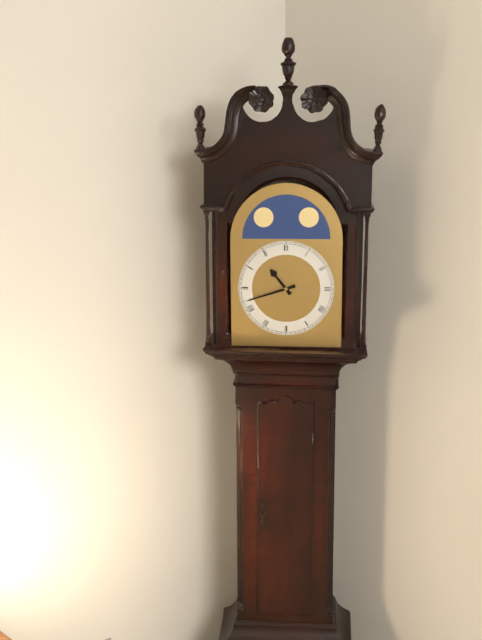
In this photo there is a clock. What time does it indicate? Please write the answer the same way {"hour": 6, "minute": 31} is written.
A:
{"hour": 10, "minute": 42}
